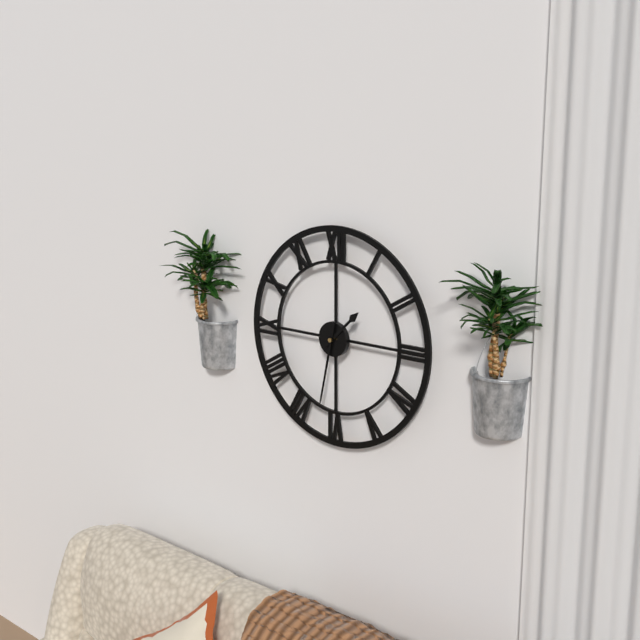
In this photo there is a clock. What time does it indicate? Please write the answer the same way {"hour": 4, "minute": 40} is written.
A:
{"hour": 1, "minute": 32}
